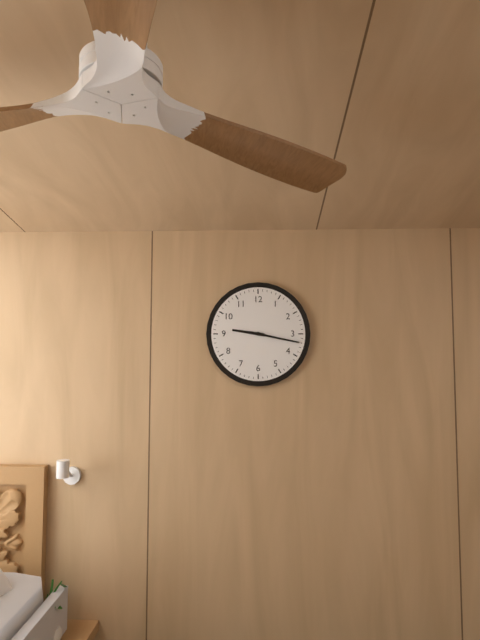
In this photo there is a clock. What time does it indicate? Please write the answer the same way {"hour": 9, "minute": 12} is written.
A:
{"hour": 9, "minute": 17}
